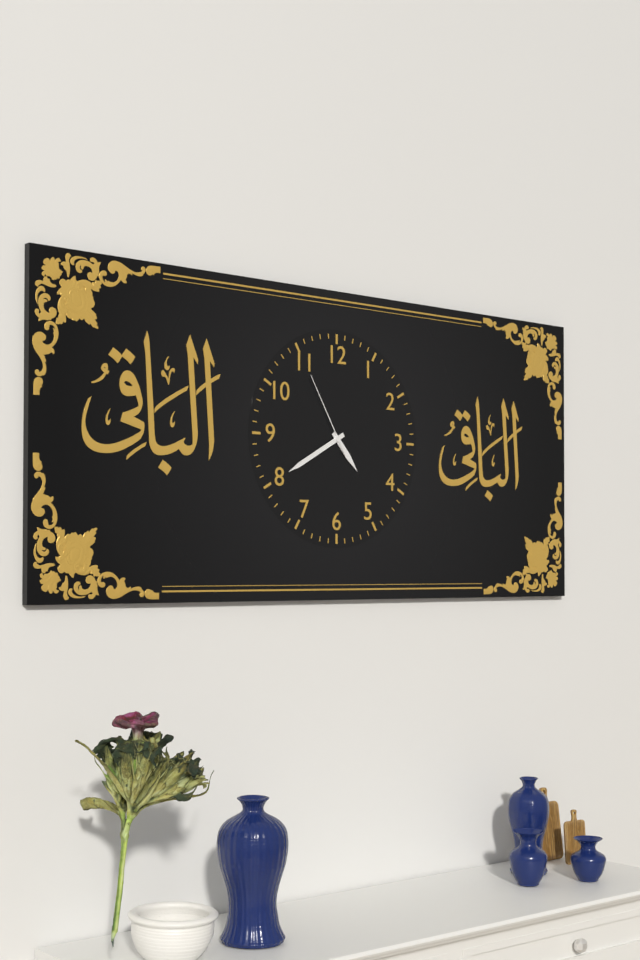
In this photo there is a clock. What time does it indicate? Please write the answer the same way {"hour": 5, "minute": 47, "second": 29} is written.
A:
{"hour": 4, "minute": 40, "second": 55}
